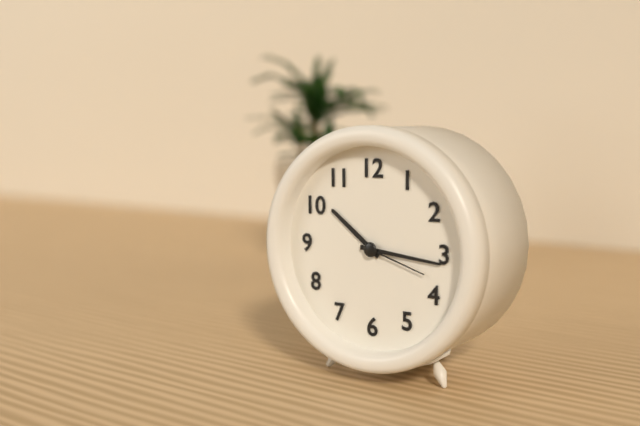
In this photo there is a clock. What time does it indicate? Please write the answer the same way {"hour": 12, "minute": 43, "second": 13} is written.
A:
{"hour": 10, "minute": 16, "second": 18}
